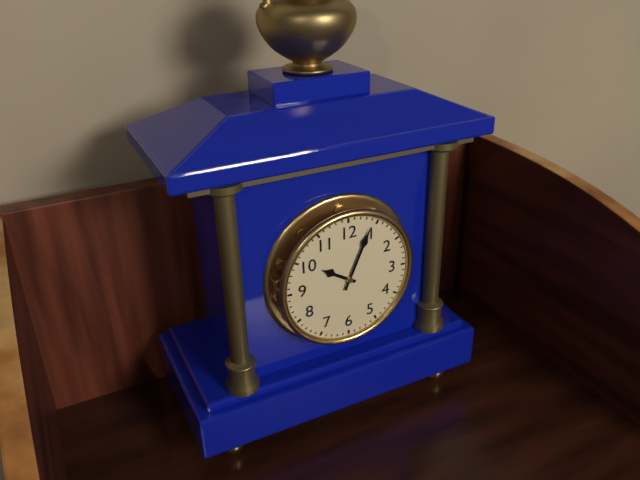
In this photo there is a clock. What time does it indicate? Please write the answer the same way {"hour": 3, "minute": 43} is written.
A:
{"hour": 10, "minute": 4}
